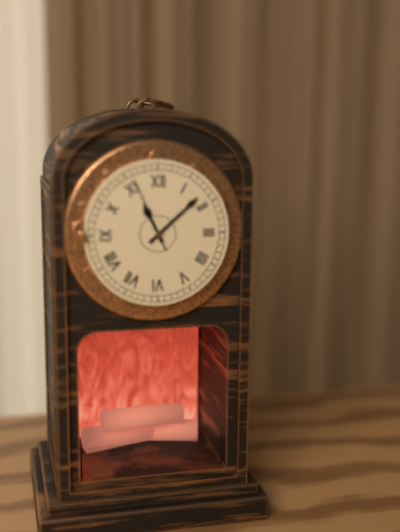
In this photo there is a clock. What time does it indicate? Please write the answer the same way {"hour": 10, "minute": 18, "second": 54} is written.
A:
{"hour": 11, "minute": 8, "second": 56}
